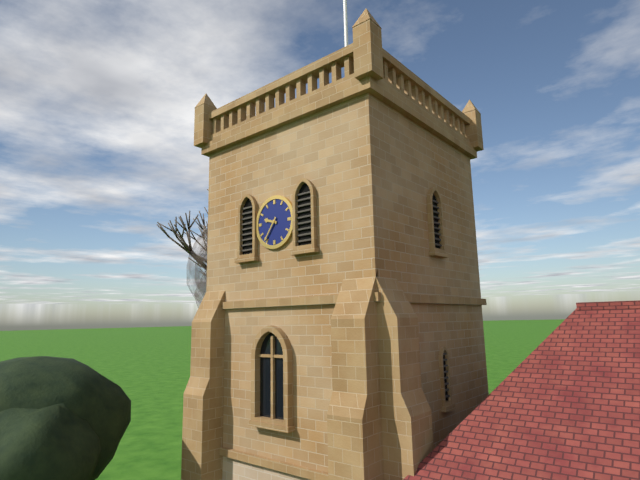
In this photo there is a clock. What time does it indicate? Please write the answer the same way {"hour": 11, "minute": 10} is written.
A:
{"hour": 9, "minute": 36}
